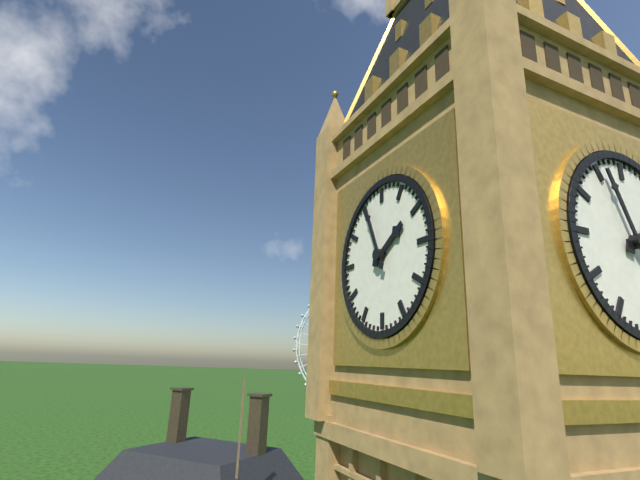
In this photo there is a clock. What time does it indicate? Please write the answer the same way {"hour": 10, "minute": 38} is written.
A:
{"hour": 1, "minute": 56}
